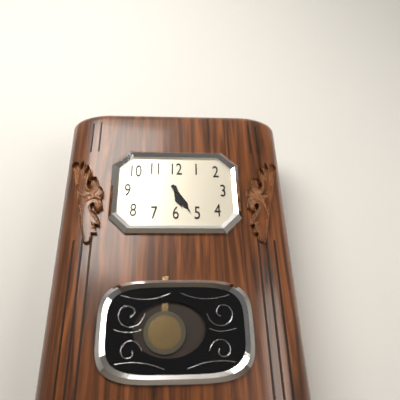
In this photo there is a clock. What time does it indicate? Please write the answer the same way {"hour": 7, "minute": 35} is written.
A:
{"hour": 5, "minute": 25}
